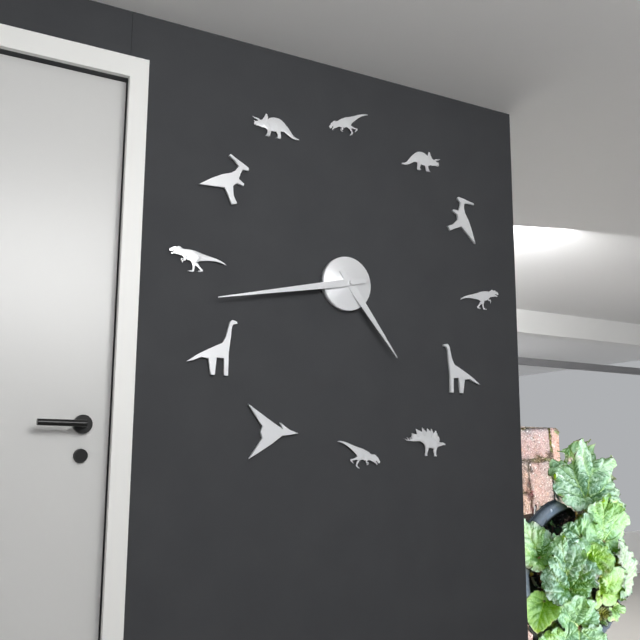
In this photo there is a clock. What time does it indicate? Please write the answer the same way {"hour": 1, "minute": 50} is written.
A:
{"hour": 4, "minute": 43}
